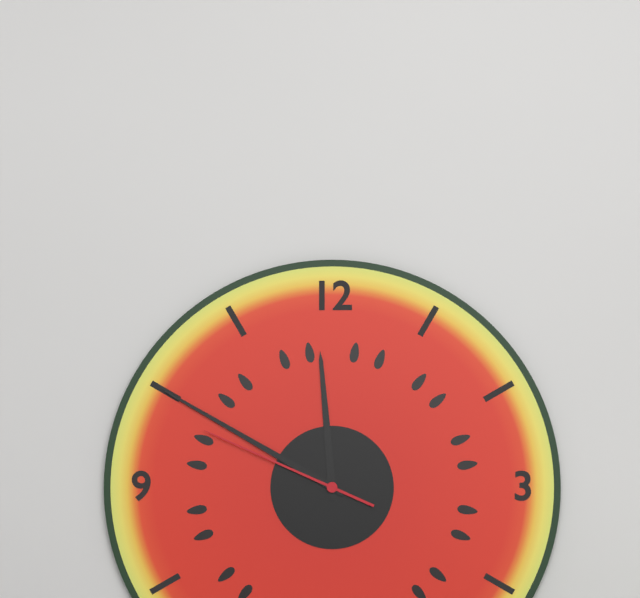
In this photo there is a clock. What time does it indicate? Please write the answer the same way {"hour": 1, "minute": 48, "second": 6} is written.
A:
{"hour": 11, "minute": 50, "second": 49}
